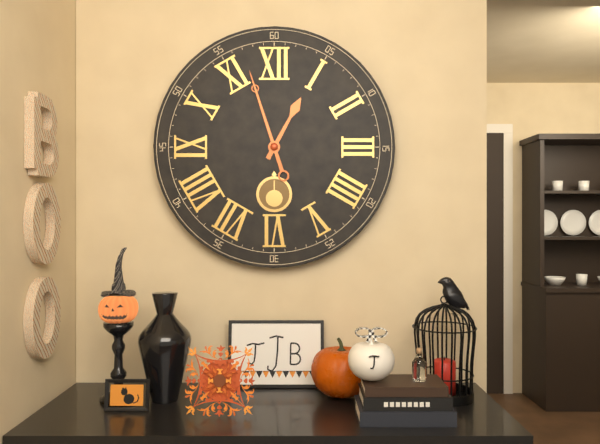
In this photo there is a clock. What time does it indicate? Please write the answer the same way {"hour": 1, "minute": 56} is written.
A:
{"hour": 12, "minute": 57}
